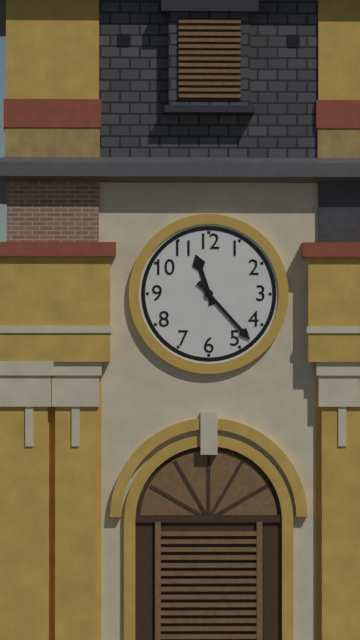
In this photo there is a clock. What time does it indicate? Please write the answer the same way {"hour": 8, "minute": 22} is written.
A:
{"hour": 11, "minute": 23}
